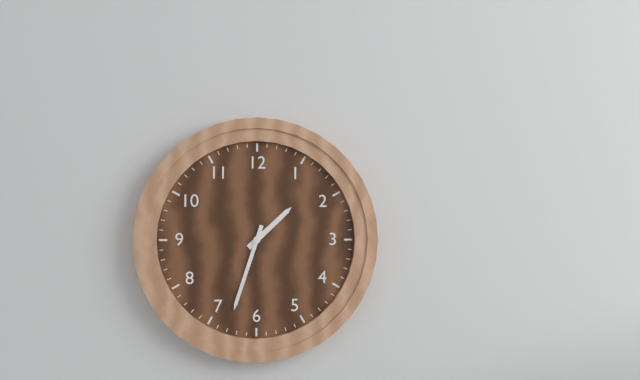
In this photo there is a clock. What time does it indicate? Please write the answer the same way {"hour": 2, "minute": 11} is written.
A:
{"hour": 1, "minute": 33}
